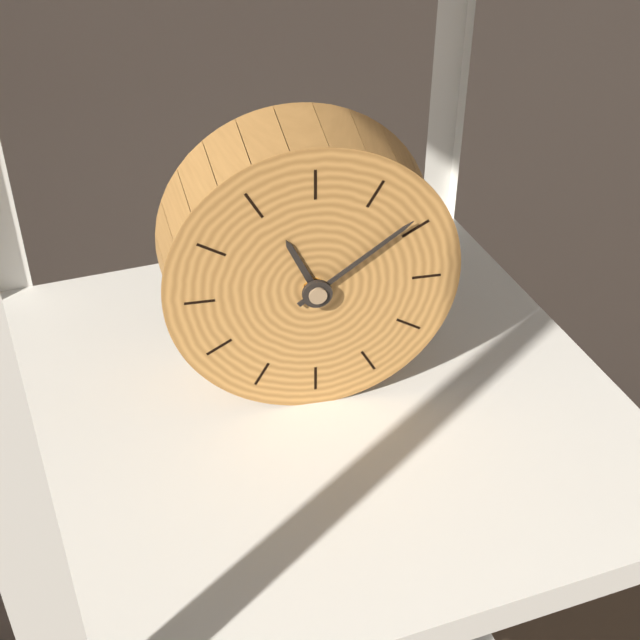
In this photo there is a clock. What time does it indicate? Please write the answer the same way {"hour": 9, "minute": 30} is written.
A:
{"hour": 11, "minute": 9}
